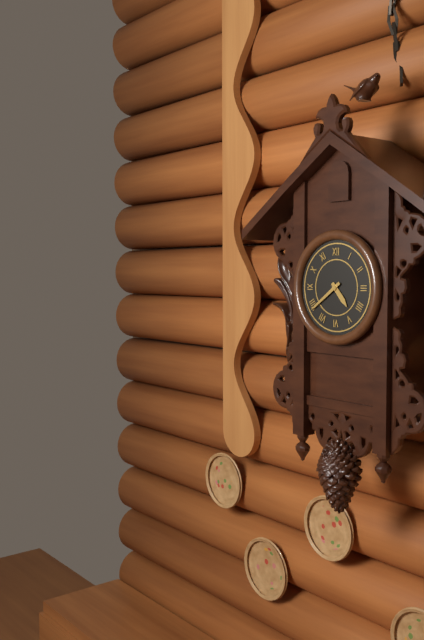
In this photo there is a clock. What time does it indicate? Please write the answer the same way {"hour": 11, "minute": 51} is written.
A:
{"hour": 4, "minute": 39}
